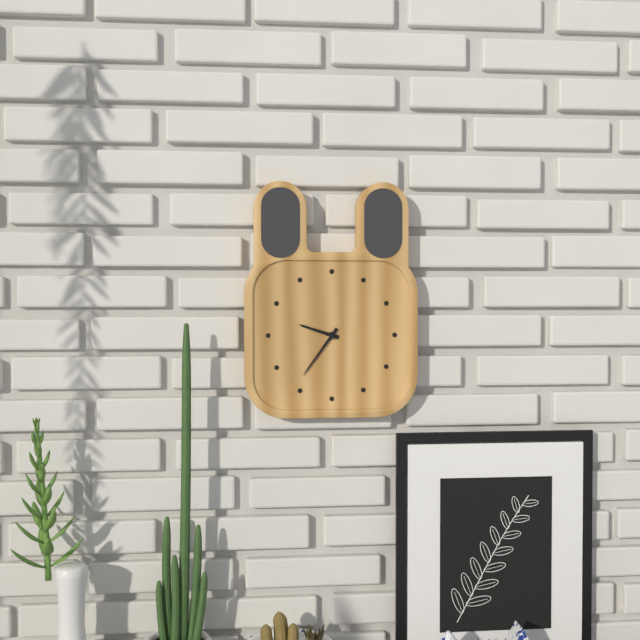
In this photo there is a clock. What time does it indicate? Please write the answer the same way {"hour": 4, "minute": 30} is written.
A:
{"hour": 9, "minute": 36}
